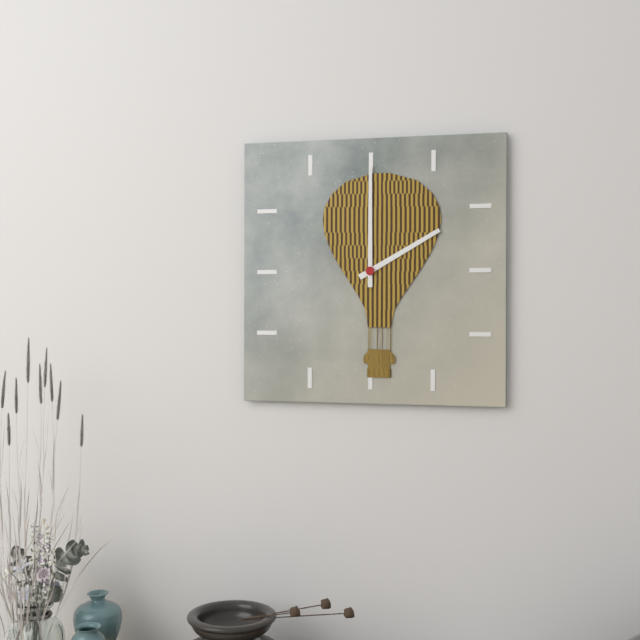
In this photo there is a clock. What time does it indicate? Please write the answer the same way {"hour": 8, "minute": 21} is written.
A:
{"hour": 2, "minute": 0}
